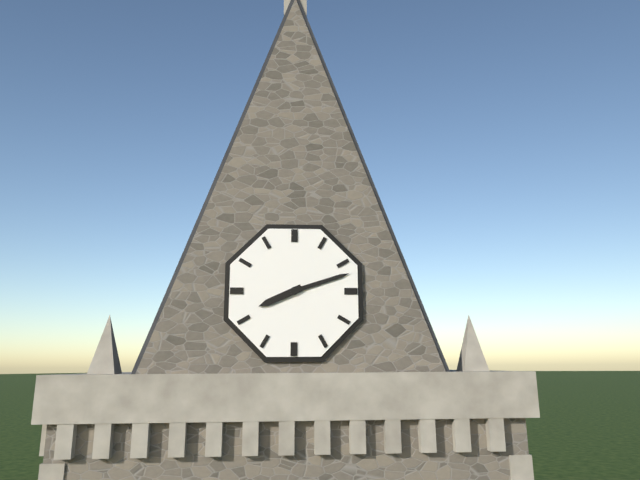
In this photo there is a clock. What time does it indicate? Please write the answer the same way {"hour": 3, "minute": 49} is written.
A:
{"hour": 8, "minute": 12}
